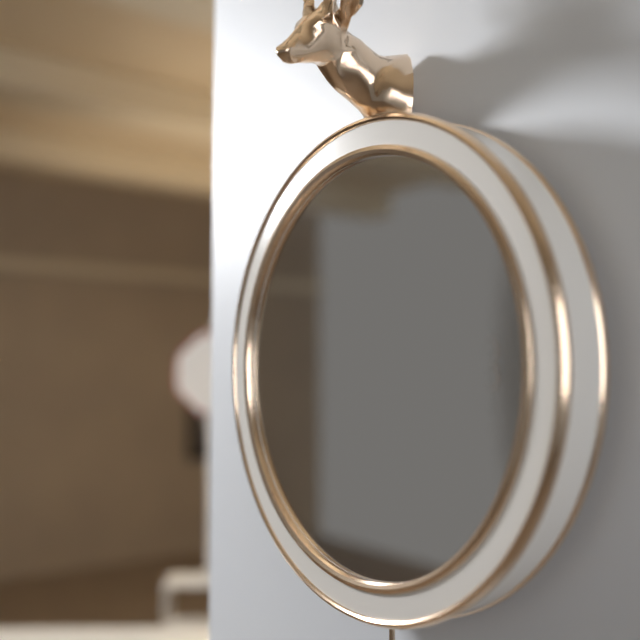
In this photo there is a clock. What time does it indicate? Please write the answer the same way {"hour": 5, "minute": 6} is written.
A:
{"hour": 1, "minute": 55}
